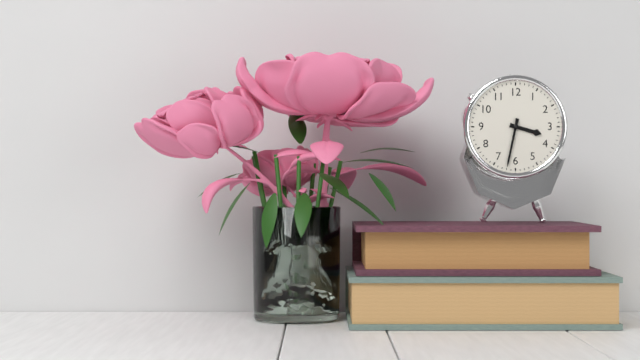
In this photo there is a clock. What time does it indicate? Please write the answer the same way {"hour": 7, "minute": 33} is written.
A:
{"hour": 3, "minute": 32}
